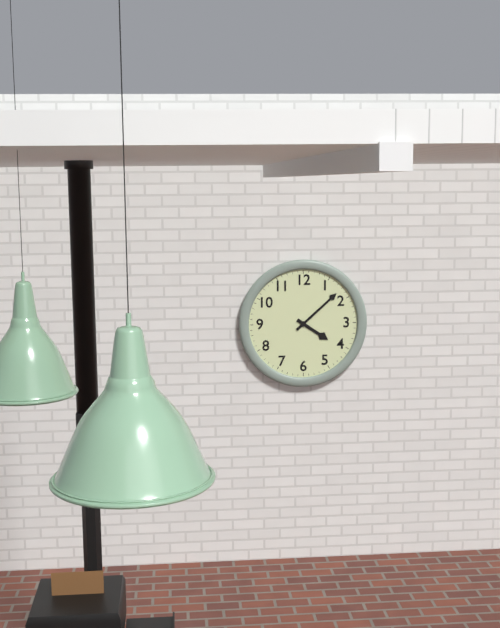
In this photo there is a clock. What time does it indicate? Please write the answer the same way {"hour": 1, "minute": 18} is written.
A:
{"hour": 4, "minute": 8}
